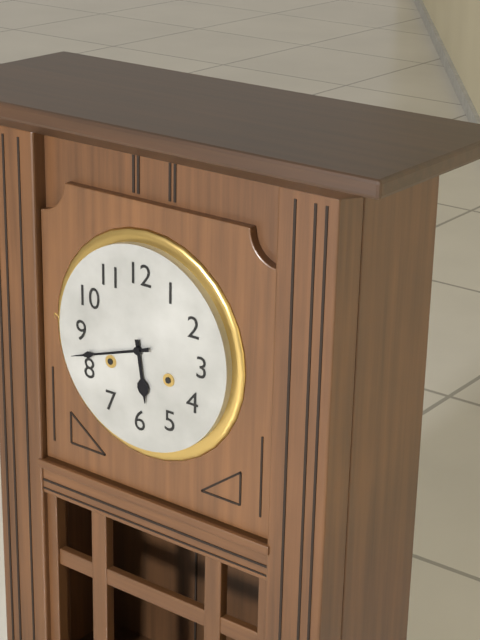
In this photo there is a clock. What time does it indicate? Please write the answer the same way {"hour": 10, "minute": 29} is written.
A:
{"hour": 5, "minute": 42}
